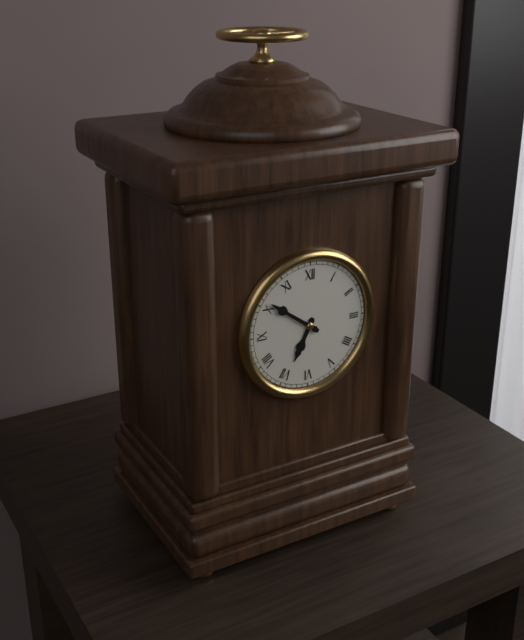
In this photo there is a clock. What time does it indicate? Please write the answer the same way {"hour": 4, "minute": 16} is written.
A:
{"hour": 6, "minute": 51}
